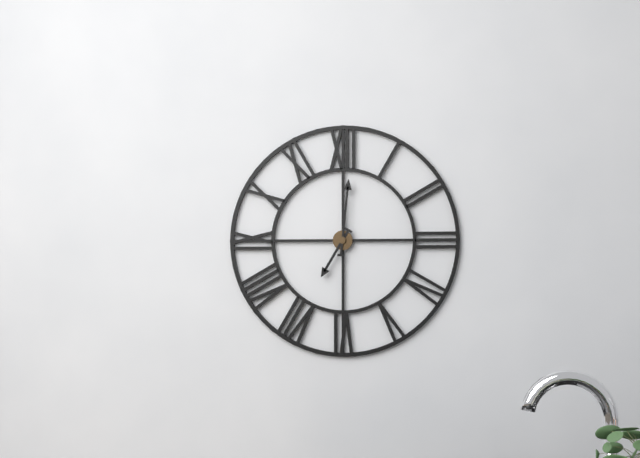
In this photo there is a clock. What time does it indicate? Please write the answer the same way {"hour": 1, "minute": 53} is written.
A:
{"hour": 7, "minute": 1}
